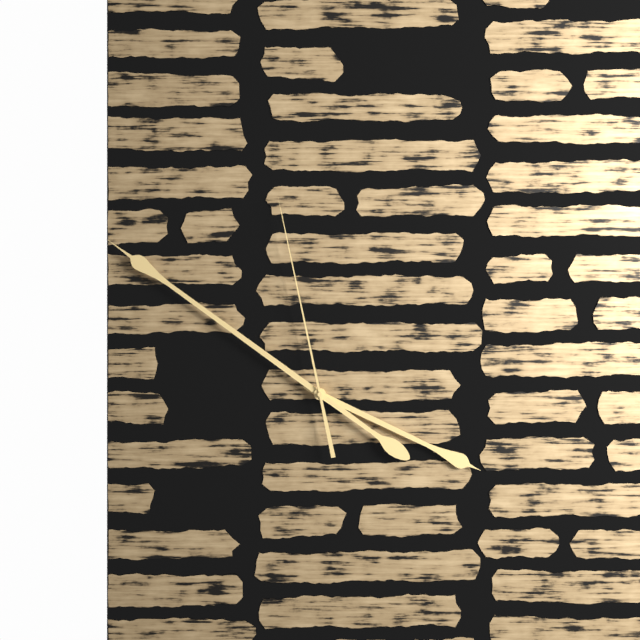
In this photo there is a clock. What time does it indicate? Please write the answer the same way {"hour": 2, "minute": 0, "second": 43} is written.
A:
{"hour": 3, "minute": 51, "second": 58}
